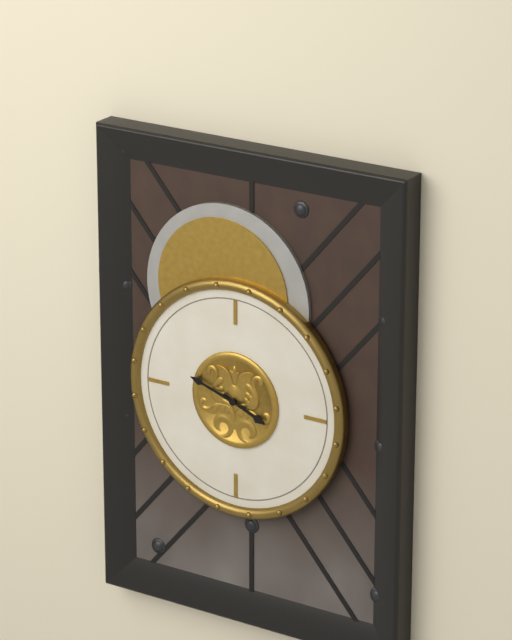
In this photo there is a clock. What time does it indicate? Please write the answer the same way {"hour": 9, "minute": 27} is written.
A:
{"hour": 3, "minute": 48}
